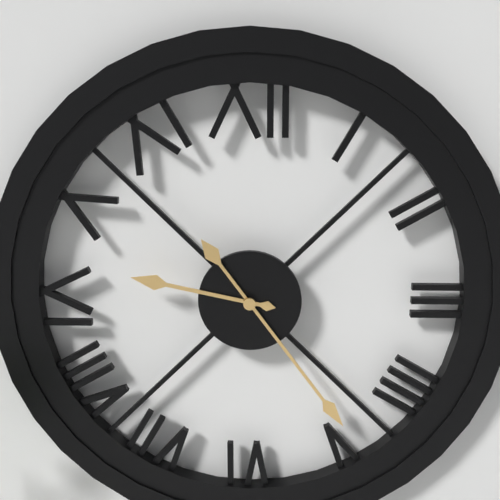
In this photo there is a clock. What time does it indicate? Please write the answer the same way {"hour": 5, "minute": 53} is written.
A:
{"hour": 9, "minute": 24}
